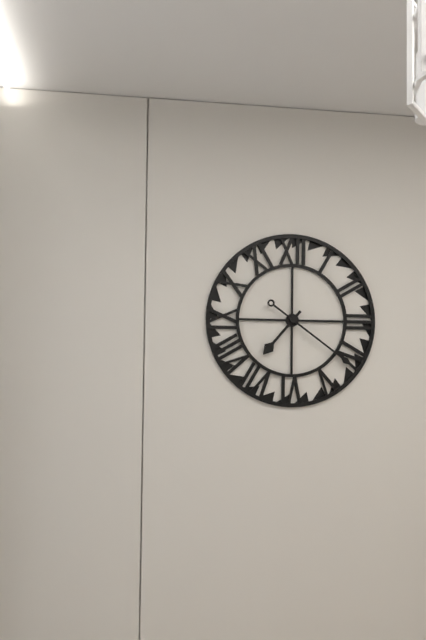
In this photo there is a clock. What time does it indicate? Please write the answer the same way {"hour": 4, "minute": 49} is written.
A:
{"hour": 7, "minute": 21}
